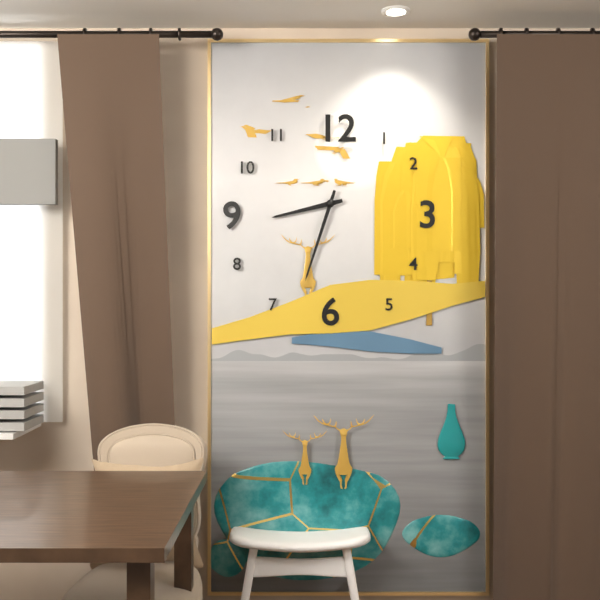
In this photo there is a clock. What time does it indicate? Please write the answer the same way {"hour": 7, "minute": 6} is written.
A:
{"hour": 8, "minute": 33}
